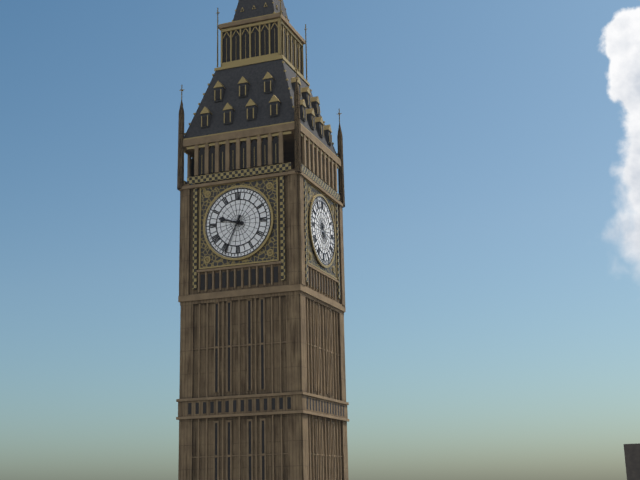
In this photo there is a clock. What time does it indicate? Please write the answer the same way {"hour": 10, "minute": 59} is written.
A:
{"hour": 9, "minute": 34}
